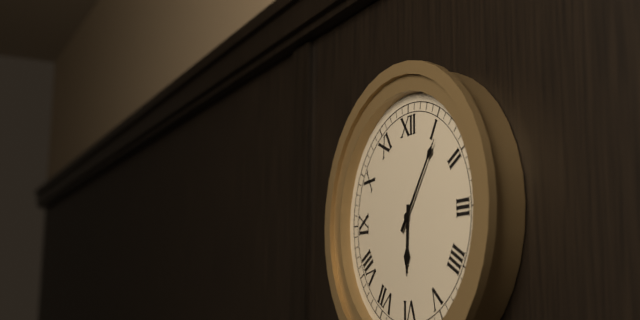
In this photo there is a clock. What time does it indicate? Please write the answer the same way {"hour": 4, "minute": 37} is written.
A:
{"hour": 6, "minute": 6}
